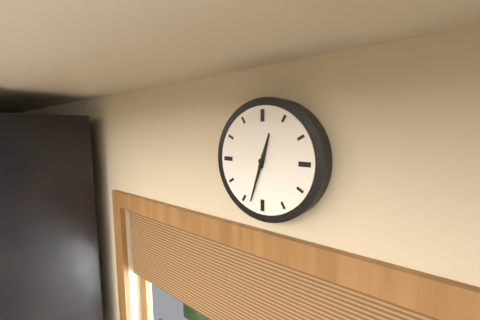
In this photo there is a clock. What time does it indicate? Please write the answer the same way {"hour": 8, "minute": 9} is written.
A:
{"hour": 12, "minute": 33}
